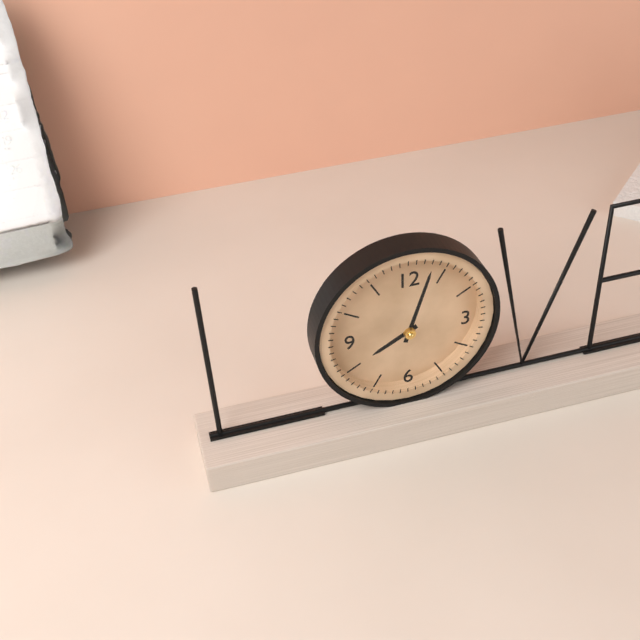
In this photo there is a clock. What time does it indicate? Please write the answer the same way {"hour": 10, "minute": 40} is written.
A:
{"hour": 8, "minute": 3}
